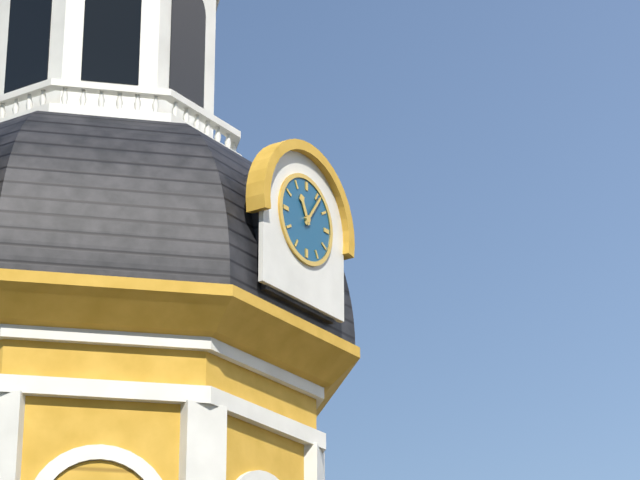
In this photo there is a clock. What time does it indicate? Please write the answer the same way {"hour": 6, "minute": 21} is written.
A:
{"hour": 11, "minute": 6}
